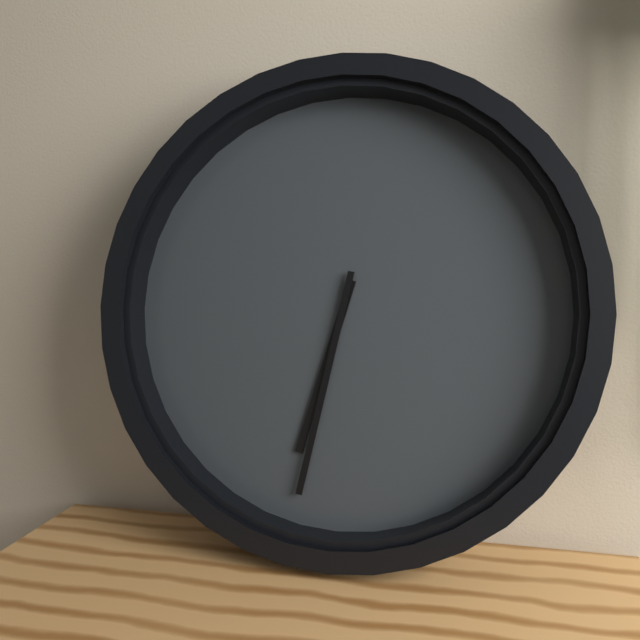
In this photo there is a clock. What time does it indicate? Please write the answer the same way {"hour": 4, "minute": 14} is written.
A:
{"hour": 6, "minute": 32}
